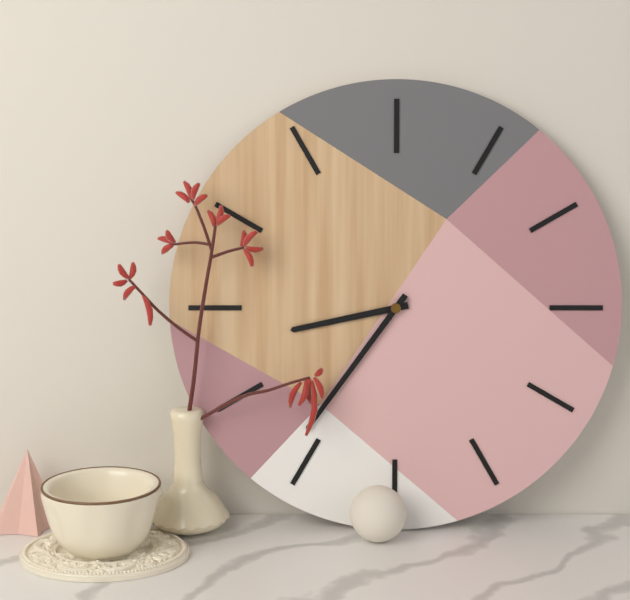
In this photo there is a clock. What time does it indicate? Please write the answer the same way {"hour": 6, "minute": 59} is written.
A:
{"hour": 8, "minute": 36}
